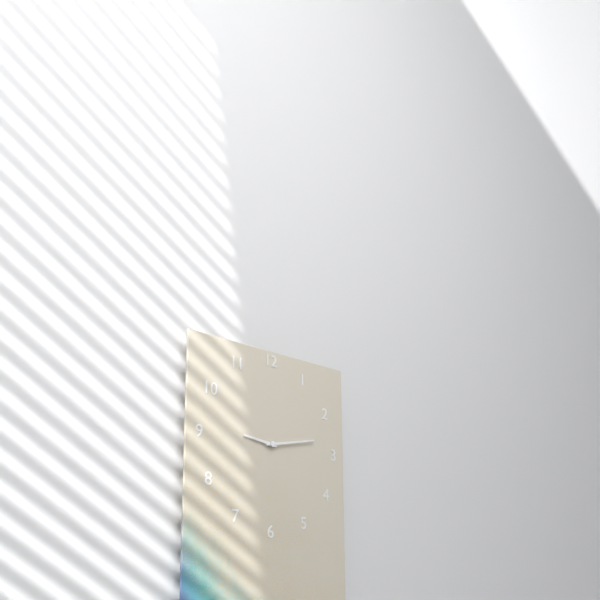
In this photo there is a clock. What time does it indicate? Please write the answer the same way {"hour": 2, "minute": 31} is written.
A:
{"hour": 9, "minute": 13}
